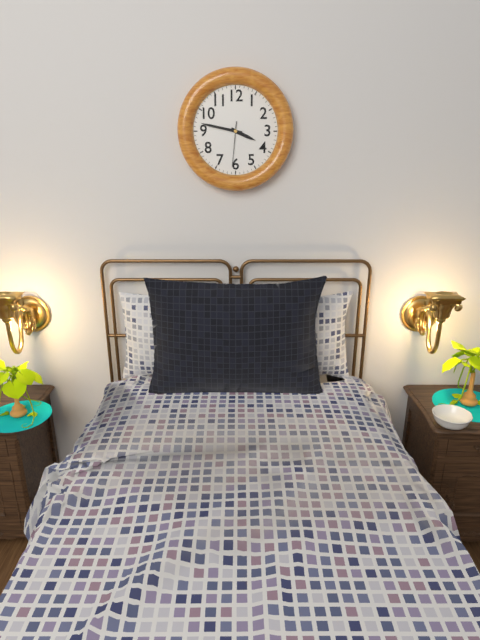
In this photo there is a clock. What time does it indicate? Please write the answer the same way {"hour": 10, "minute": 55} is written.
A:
{"hour": 3, "minute": 47}
